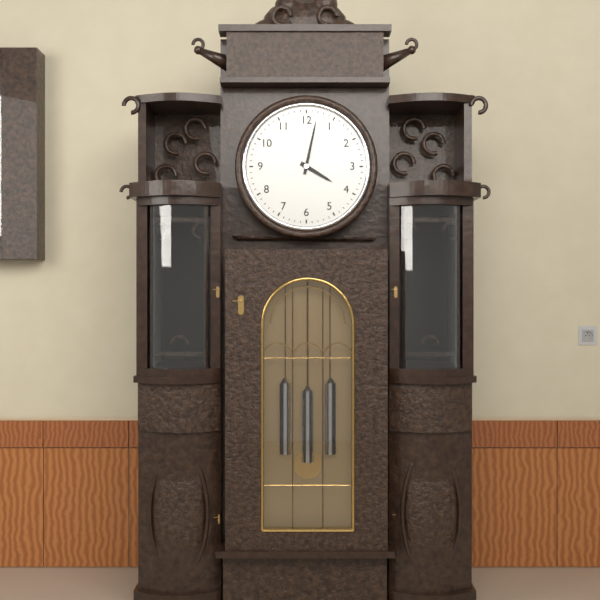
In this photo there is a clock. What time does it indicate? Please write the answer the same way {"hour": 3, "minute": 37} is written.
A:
{"hour": 4, "minute": 2}
